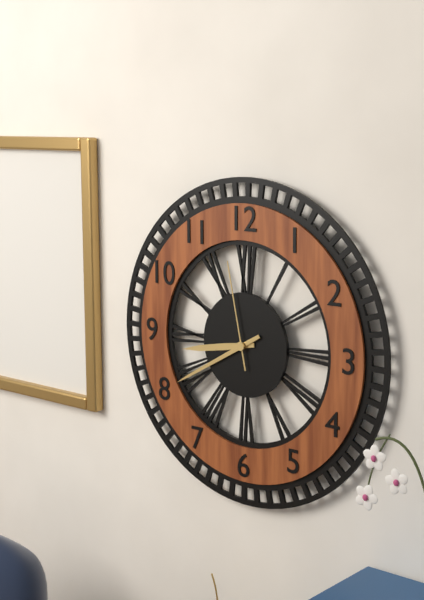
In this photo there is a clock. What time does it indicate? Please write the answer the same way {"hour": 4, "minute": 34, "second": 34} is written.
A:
{"hour": 8, "minute": 40, "second": 58}
